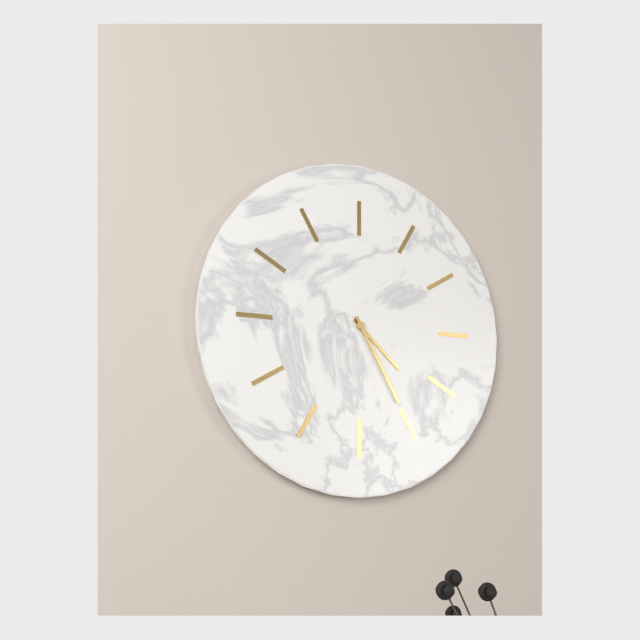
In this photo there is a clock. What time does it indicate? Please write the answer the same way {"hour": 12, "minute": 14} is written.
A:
{"hour": 4, "minute": 25}
